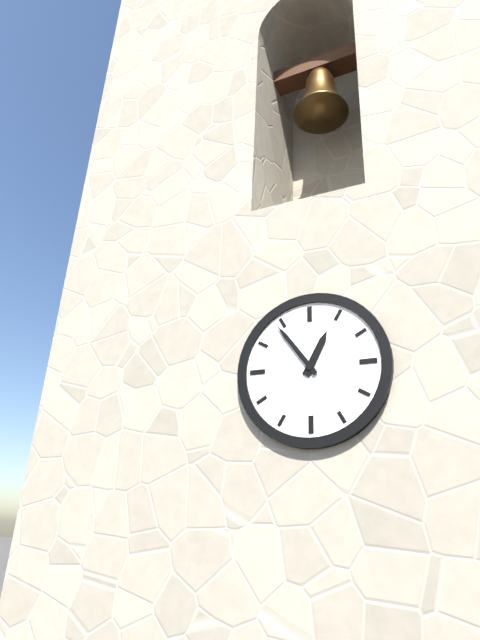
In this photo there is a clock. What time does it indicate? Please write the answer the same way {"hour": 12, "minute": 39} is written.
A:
{"hour": 12, "minute": 54}
